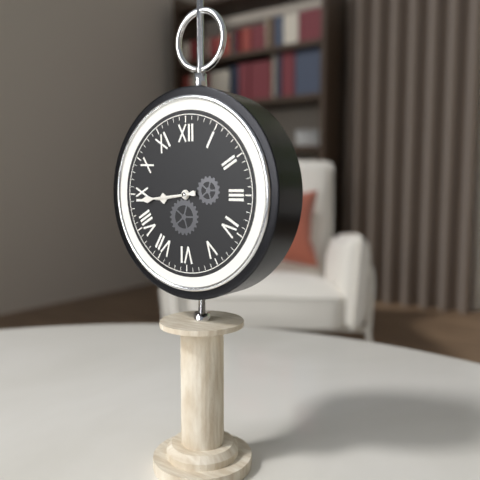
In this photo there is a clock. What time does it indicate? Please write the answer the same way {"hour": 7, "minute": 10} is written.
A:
{"hour": 8, "minute": 44}
